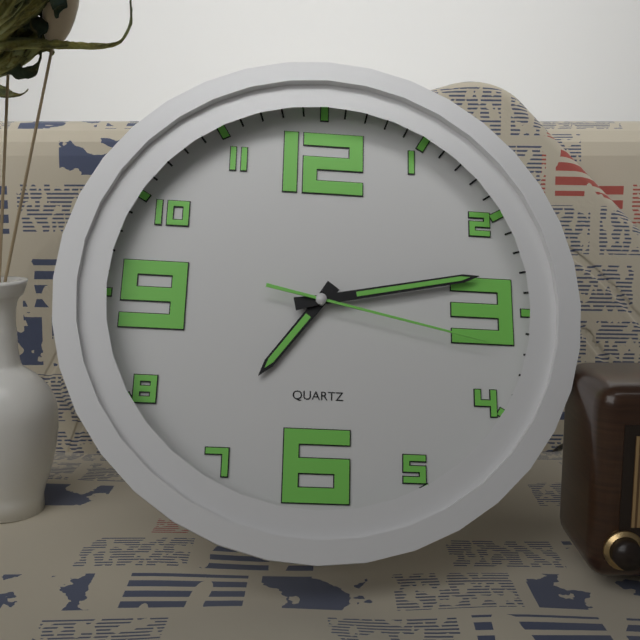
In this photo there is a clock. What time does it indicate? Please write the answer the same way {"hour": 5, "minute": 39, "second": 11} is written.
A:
{"hour": 7, "minute": 13, "second": 17}
